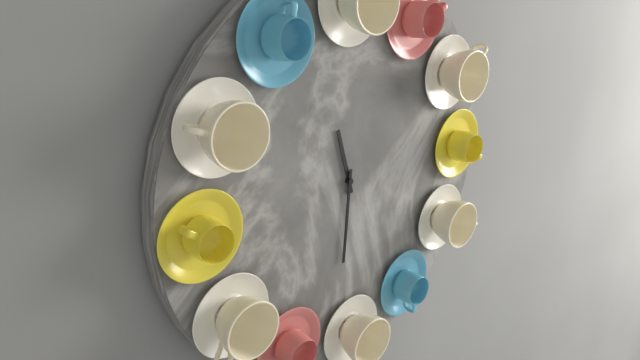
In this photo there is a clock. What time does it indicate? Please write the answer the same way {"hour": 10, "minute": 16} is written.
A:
{"hour": 11, "minute": 31}
